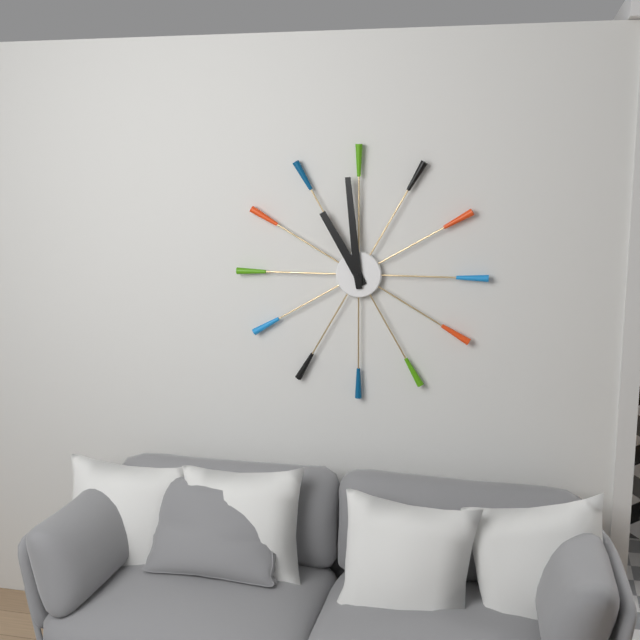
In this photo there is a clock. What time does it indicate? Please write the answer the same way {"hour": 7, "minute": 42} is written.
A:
{"hour": 10, "minute": 59}
